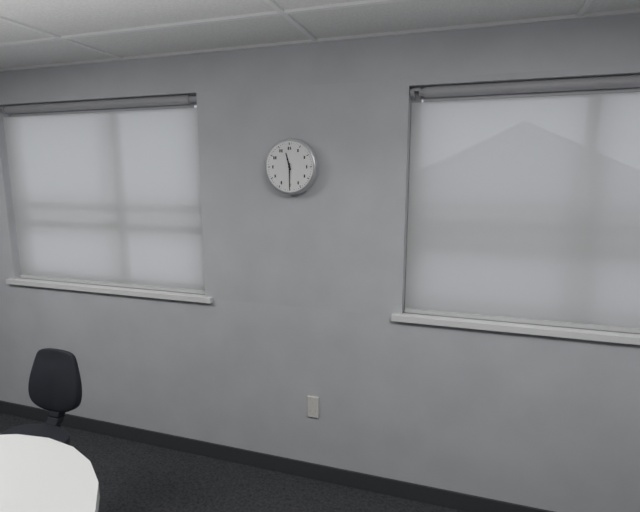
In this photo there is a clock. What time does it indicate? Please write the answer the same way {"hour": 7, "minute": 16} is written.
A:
{"hour": 11, "minute": 30}
